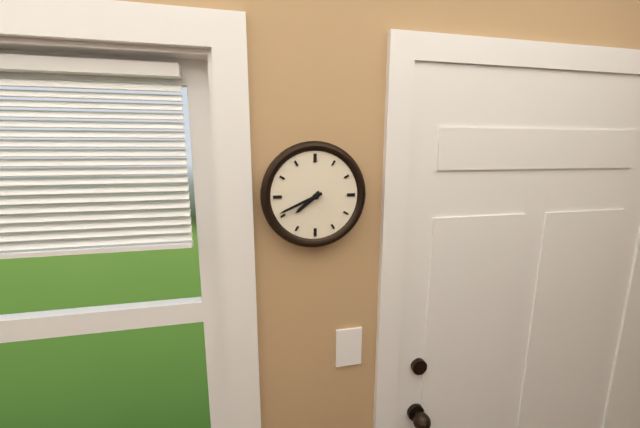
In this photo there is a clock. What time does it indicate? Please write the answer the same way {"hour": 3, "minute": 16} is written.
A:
{"hour": 7, "minute": 41}
